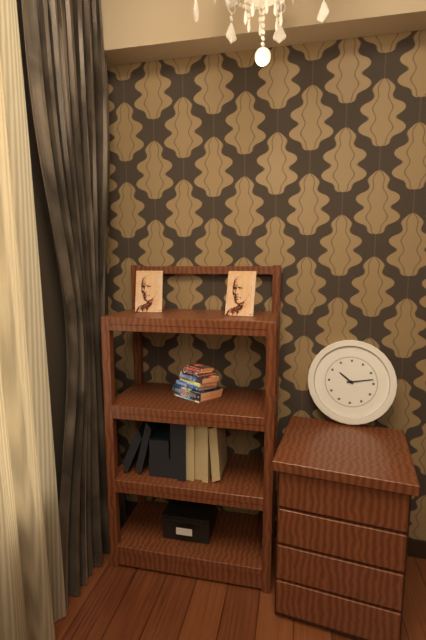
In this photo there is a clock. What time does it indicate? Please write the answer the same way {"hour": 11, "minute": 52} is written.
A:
{"hour": 10, "minute": 13}
